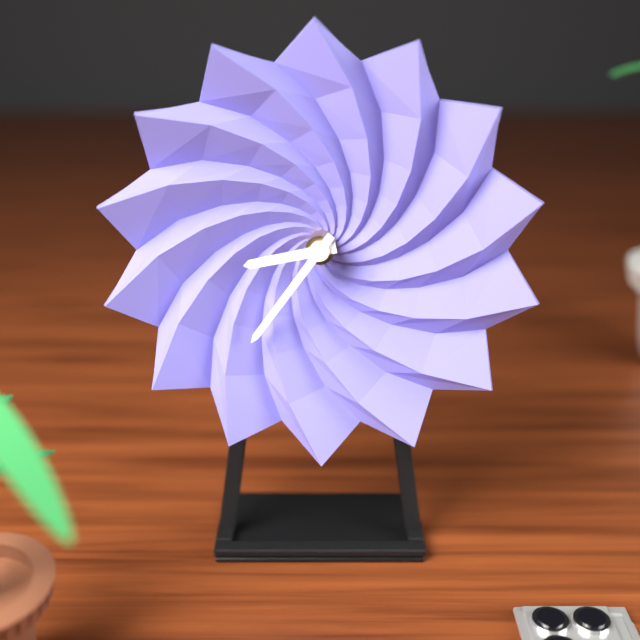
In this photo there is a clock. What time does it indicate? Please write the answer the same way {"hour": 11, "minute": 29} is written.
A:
{"hour": 8, "minute": 36}
